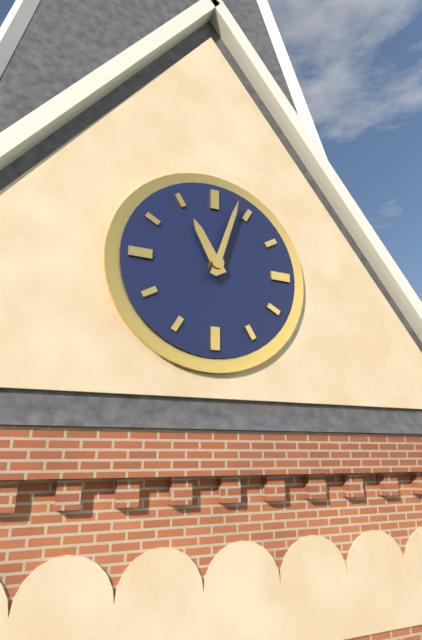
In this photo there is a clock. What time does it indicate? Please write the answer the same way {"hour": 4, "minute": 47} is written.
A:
{"hour": 11, "minute": 3}
